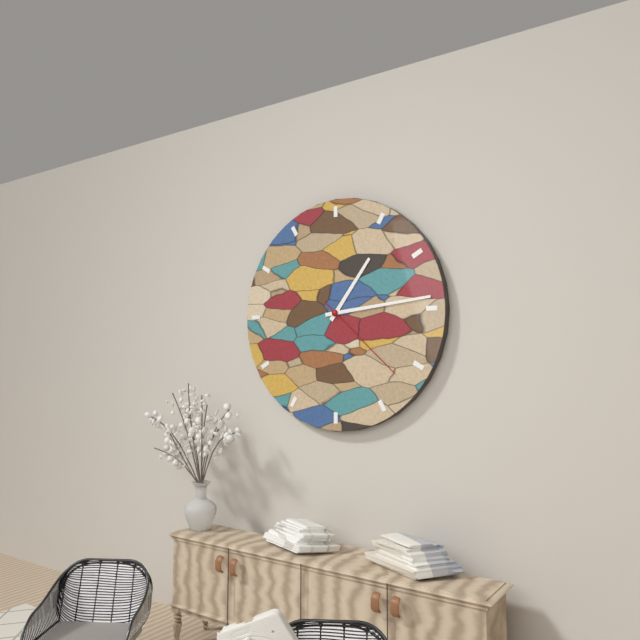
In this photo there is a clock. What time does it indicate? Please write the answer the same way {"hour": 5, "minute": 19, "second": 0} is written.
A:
{"hour": 1, "minute": 14, "second": 22}
